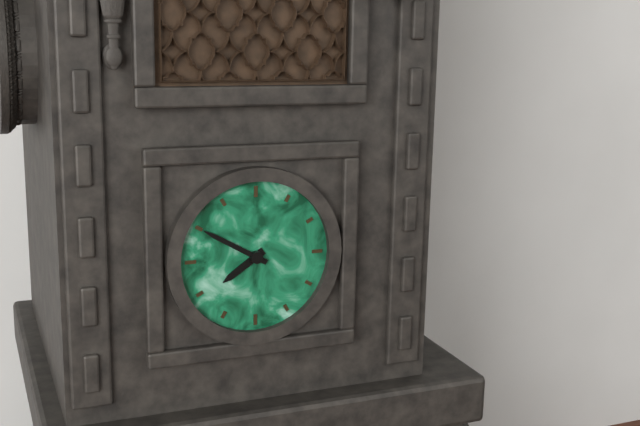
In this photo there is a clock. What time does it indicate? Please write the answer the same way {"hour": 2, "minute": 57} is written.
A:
{"hour": 7, "minute": 50}
